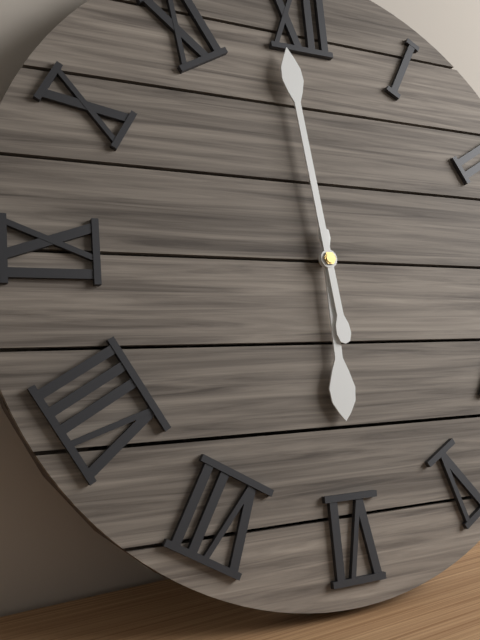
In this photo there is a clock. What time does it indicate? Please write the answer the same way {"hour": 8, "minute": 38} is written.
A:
{"hour": 5, "minute": 59}
